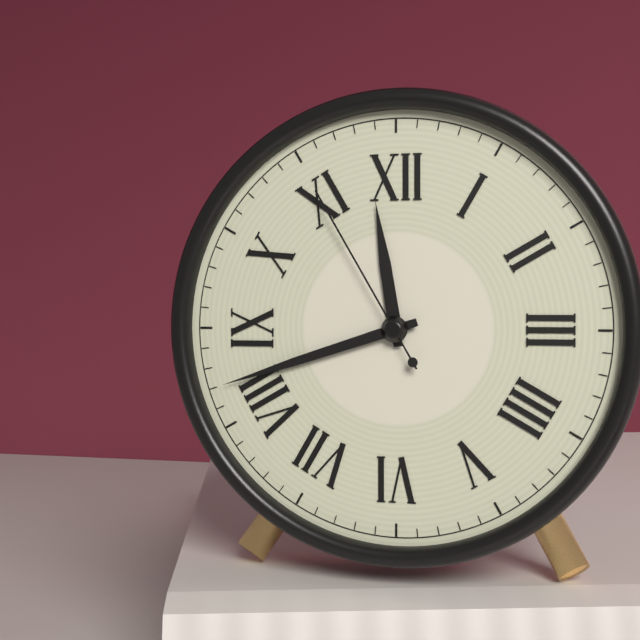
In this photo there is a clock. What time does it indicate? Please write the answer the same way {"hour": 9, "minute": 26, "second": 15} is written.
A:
{"hour": 11, "minute": 42, "second": 55}
